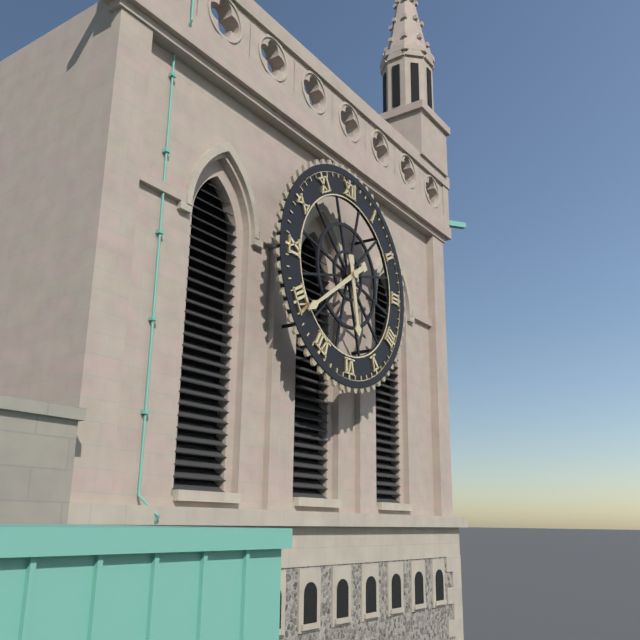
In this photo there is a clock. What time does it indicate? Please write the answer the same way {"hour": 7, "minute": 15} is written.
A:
{"hour": 5, "minute": 39}
